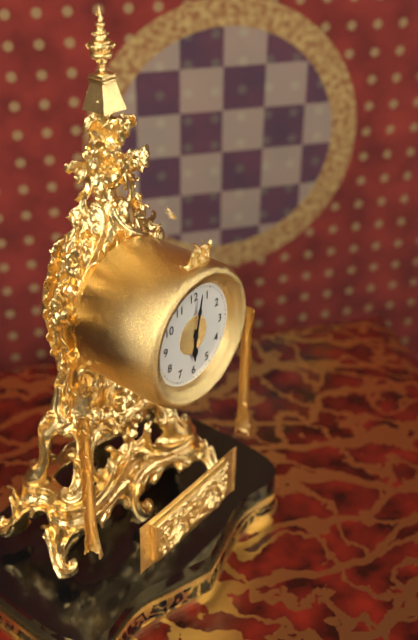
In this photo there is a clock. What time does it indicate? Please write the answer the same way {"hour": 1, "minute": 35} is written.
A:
{"hour": 6, "minute": 2}
